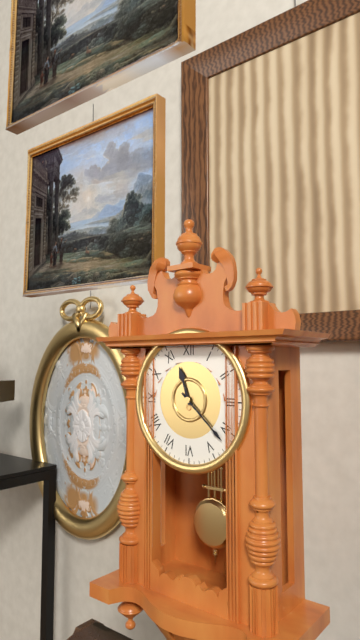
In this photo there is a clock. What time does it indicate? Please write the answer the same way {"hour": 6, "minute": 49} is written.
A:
{"hour": 11, "minute": 22}
